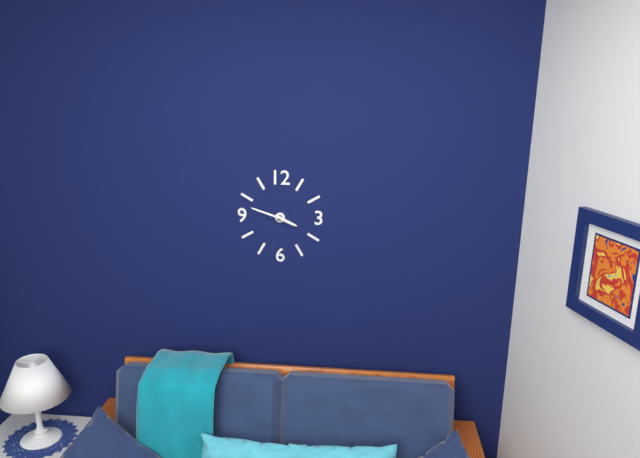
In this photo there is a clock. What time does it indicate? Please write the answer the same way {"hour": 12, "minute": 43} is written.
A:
{"hour": 3, "minute": 48}
